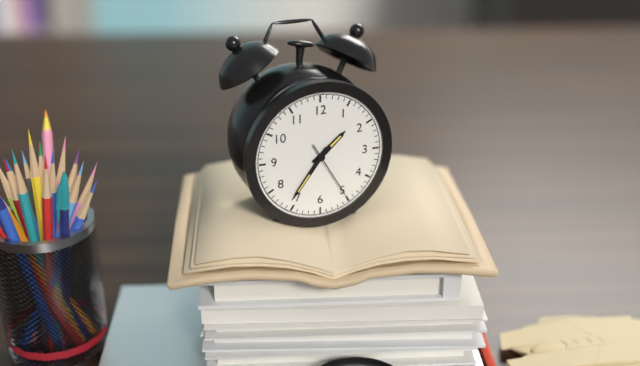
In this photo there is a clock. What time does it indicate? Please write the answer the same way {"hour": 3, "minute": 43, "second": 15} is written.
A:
{"hour": 1, "minute": 36, "second": 25}
